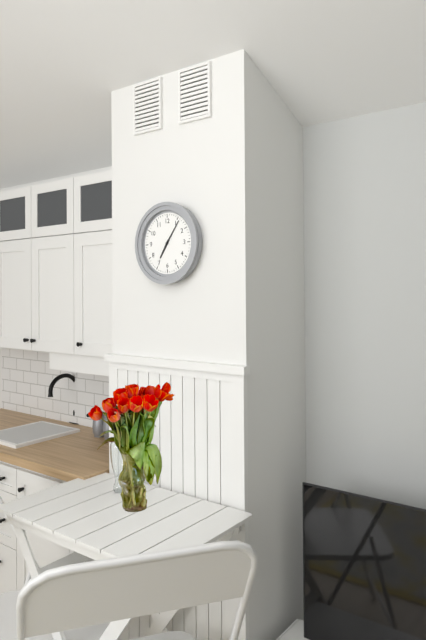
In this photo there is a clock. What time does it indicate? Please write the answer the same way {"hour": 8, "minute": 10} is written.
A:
{"hour": 7, "minute": 6}
